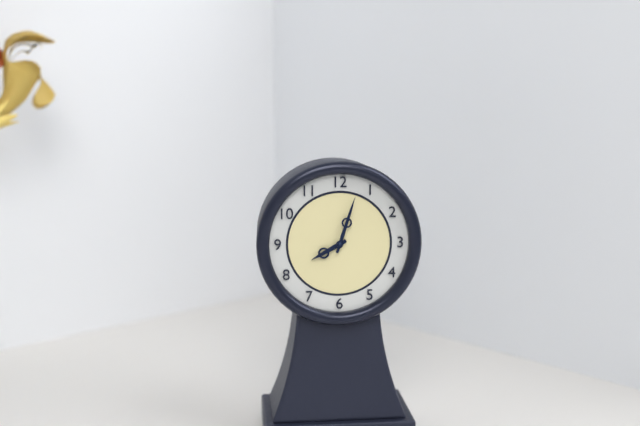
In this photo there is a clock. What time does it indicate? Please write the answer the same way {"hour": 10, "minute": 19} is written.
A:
{"hour": 8, "minute": 3}
